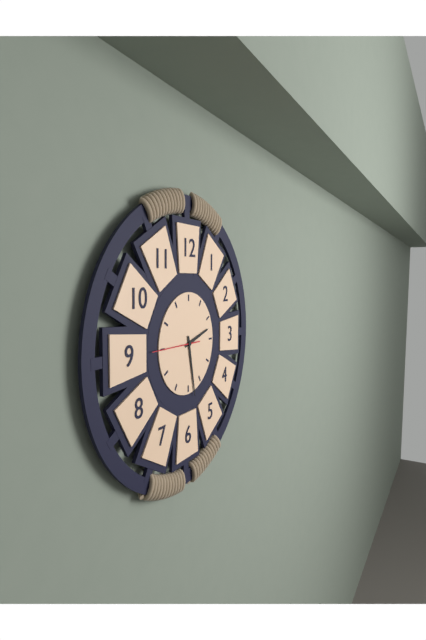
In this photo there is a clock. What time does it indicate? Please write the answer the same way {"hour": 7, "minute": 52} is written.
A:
{"hour": 2, "minute": 28}
